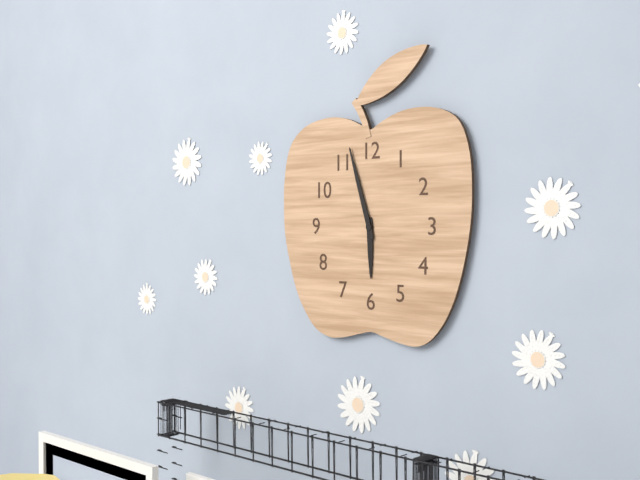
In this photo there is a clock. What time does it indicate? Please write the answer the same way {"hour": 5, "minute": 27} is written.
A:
{"hour": 5, "minute": 57}
